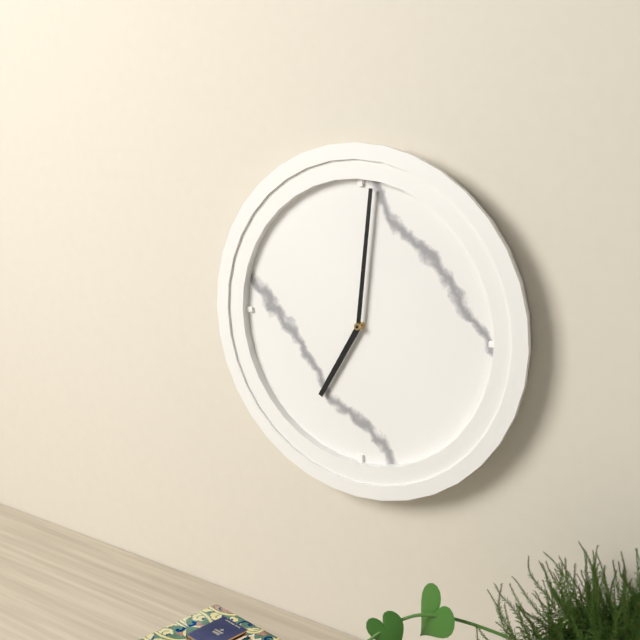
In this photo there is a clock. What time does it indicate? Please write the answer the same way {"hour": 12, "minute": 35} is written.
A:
{"hour": 7, "minute": 1}
